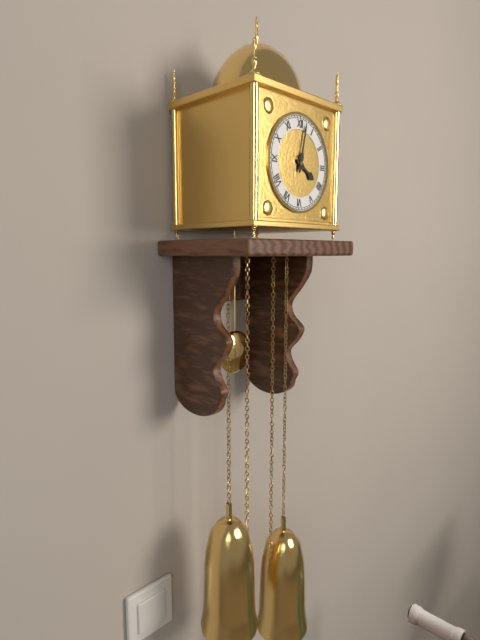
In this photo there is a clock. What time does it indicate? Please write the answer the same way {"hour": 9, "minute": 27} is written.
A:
{"hour": 4, "minute": 2}
